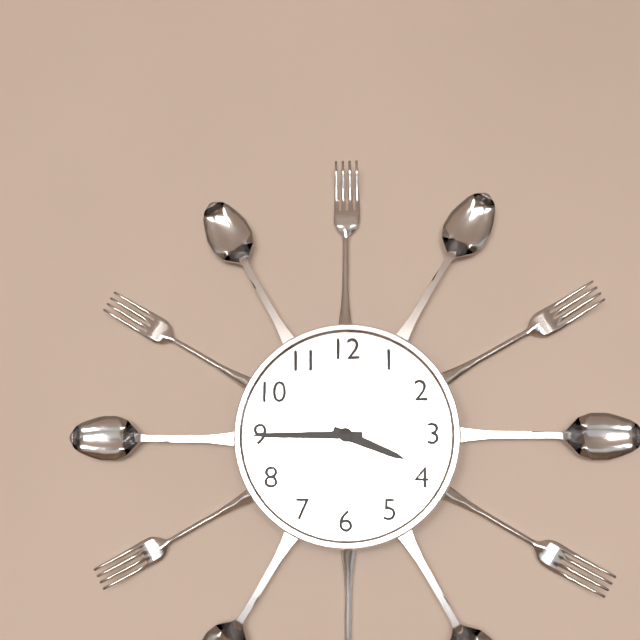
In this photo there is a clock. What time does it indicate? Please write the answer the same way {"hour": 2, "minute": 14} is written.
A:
{"hour": 3, "minute": 45}
